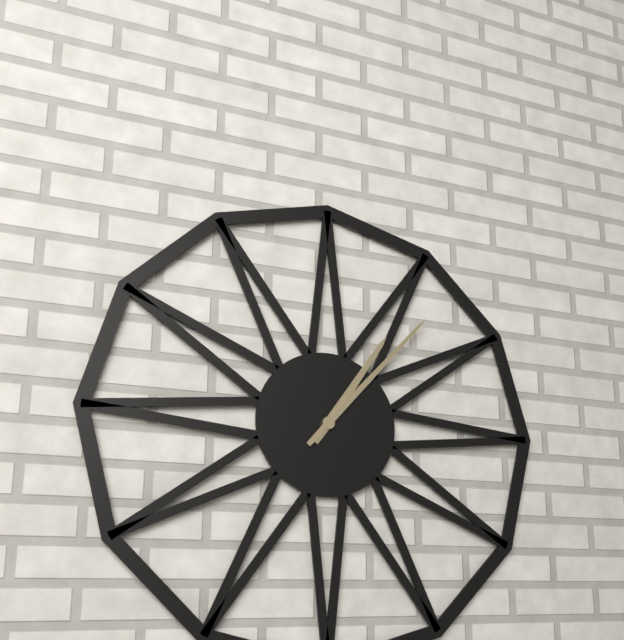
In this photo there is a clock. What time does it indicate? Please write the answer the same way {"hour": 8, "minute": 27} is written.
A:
{"hour": 1, "minute": 7}
